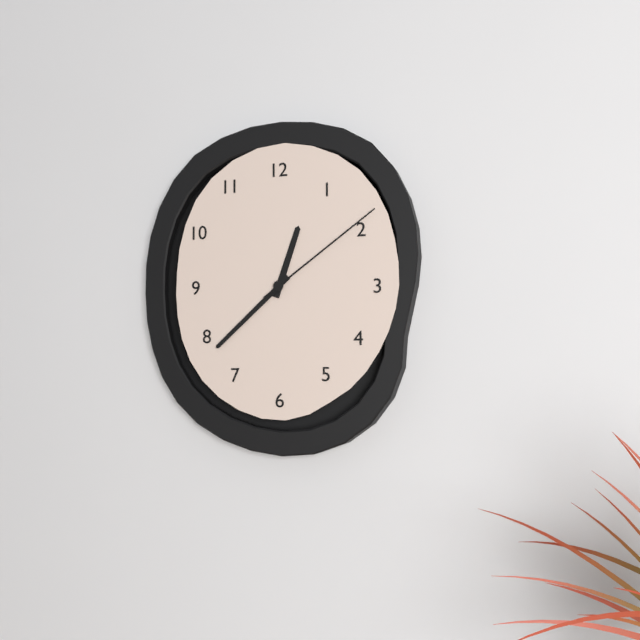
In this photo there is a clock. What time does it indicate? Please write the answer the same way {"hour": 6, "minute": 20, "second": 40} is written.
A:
{"hour": 12, "minute": 38, "second": 9}
